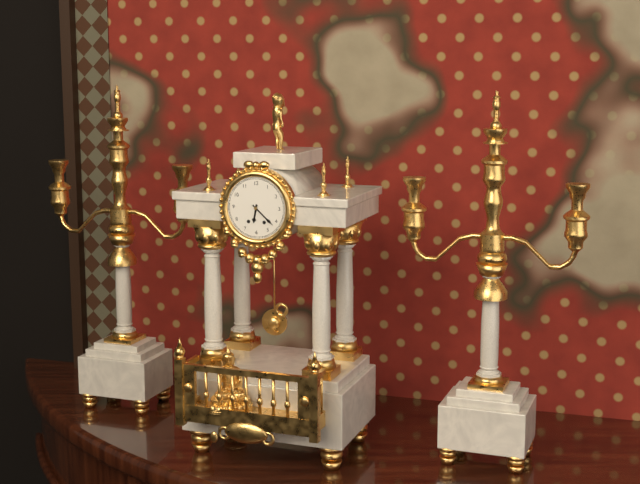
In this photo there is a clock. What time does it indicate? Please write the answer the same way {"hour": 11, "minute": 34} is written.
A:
{"hour": 6, "minute": 22}
